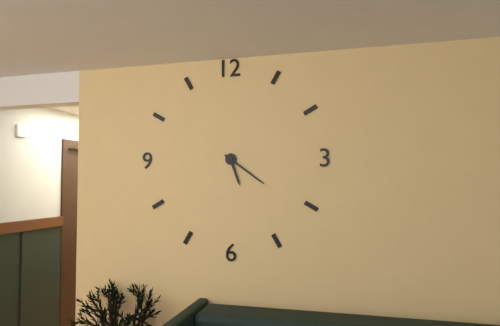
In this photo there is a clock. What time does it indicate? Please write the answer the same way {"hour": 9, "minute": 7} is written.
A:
{"hour": 5, "minute": 21}
